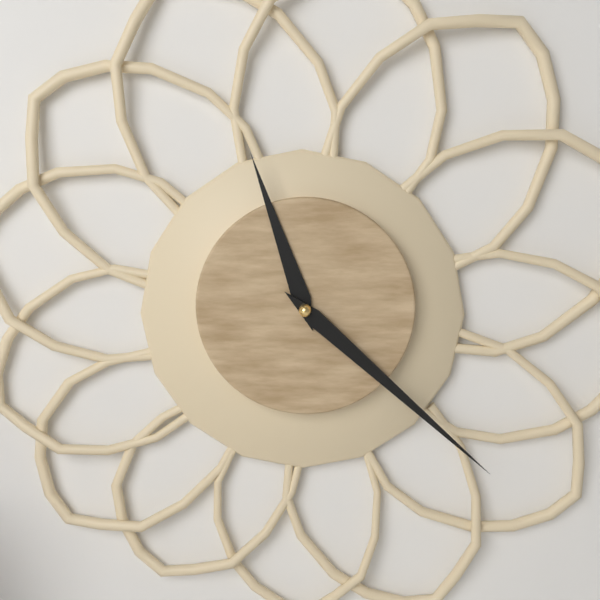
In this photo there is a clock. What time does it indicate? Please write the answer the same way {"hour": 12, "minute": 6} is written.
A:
{"hour": 11, "minute": 22}
